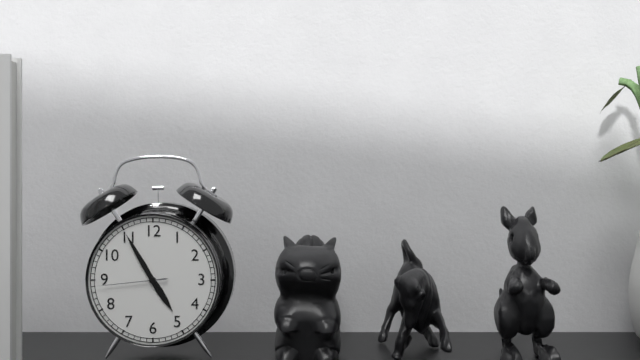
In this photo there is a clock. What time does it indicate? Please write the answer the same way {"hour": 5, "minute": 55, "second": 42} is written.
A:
{"hour": 4, "minute": 55, "second": 44}
